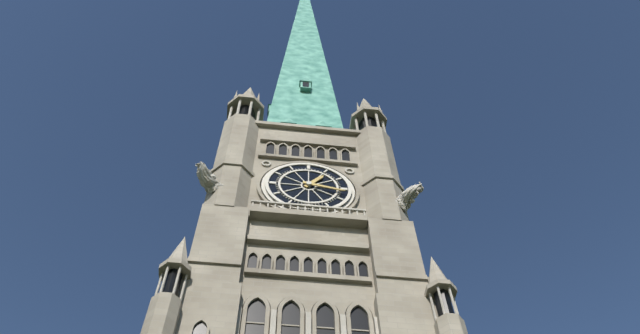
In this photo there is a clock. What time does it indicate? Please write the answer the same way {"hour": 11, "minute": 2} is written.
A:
{"hour": 1, "minute": 17}
